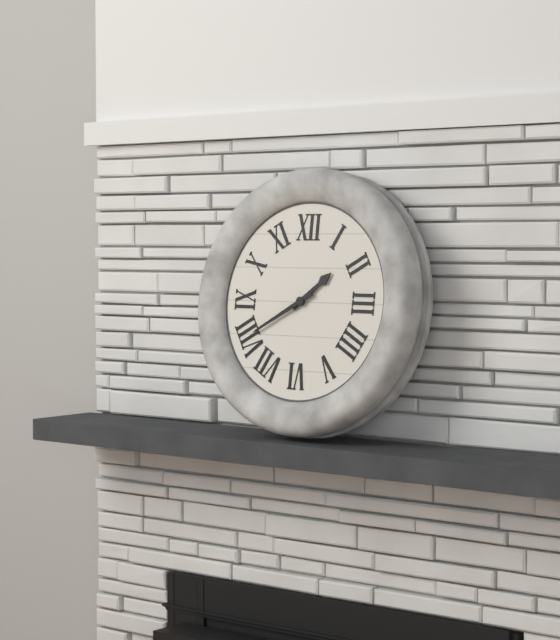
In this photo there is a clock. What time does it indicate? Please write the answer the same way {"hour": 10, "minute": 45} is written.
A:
{"hour": 1, "minute": 40}
